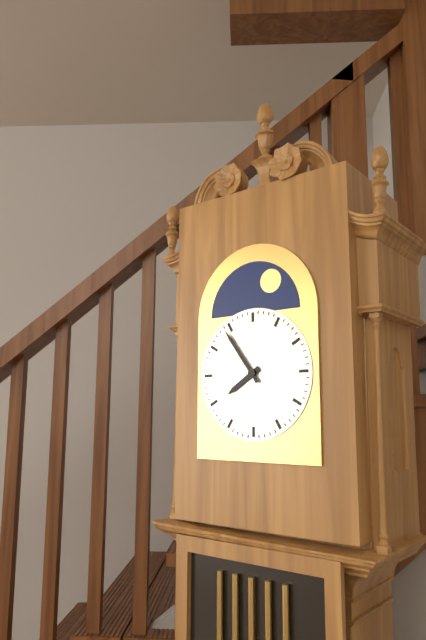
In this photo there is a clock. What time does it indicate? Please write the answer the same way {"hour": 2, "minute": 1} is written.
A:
{"hour": 7, "minute": 54}
